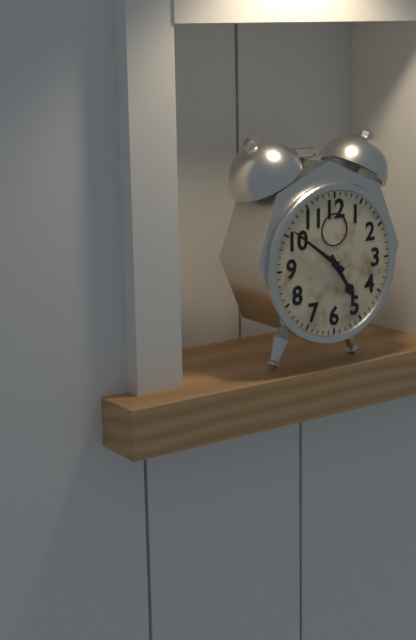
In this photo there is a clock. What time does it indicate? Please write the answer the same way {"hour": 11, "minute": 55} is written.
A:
{"hour": 4, "minute": 51}
